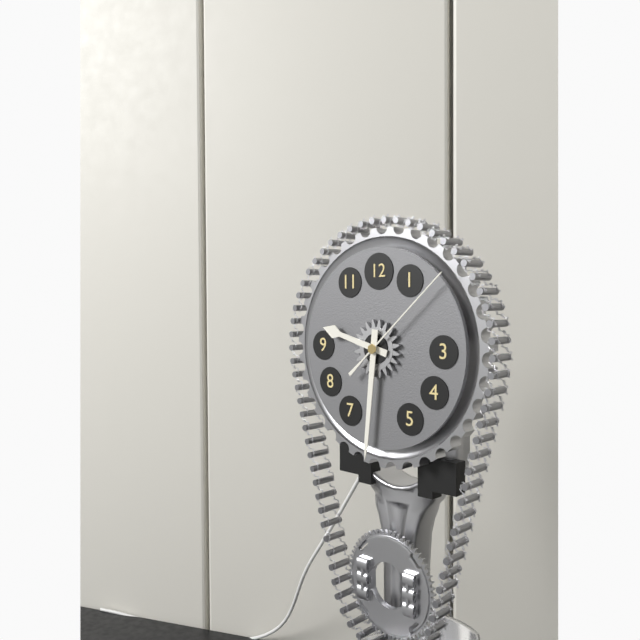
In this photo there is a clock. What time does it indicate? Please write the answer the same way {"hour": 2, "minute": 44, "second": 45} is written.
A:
{"hour": 9, "minute": 31, "second": 8}
